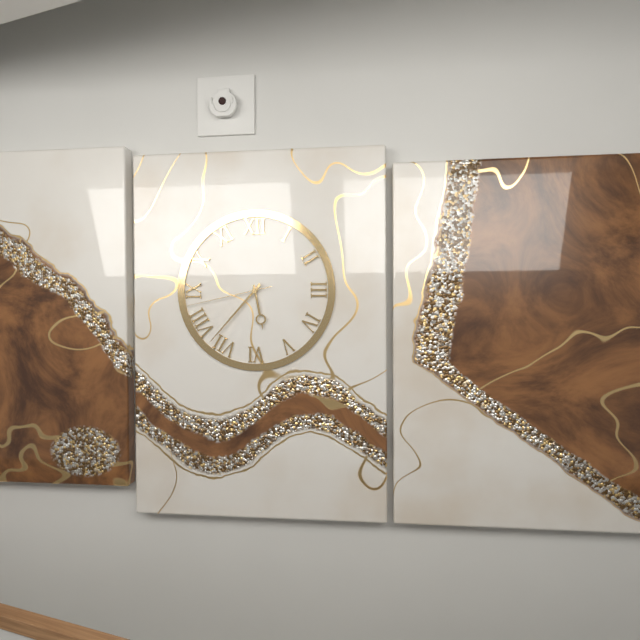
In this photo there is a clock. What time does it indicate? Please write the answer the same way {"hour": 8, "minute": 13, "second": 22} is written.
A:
{"hour": 5, "minute": 37, "second": 43}
